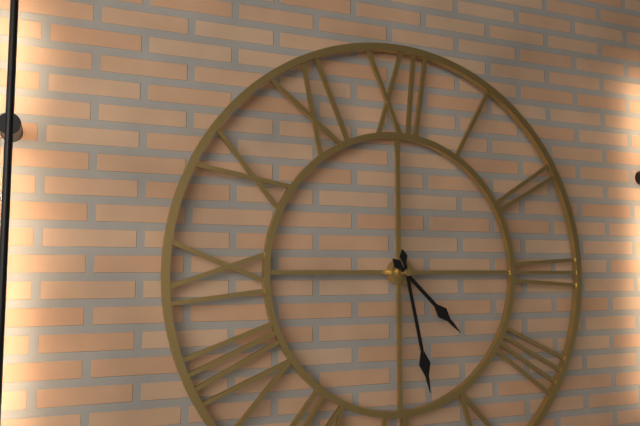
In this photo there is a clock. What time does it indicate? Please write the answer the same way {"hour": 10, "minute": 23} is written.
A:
{"hour": 4, "minute": 28}
